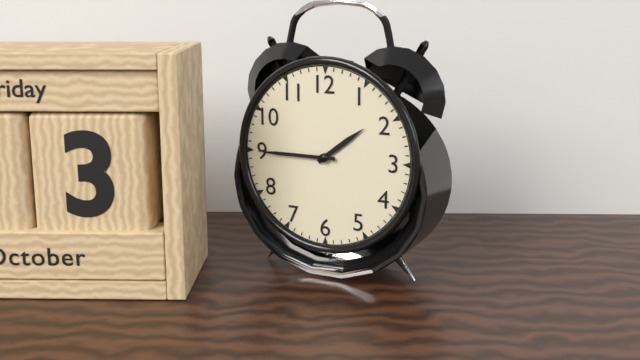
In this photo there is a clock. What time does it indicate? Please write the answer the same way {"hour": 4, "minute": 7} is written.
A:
{"hour": 1, "minute": 45}
